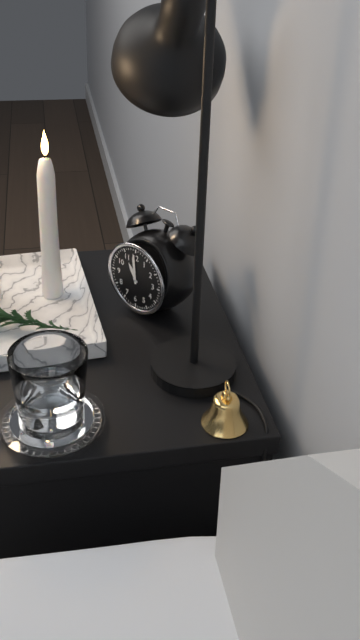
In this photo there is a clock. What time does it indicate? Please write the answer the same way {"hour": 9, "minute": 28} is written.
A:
{"hour": 10, "minute": 59}
